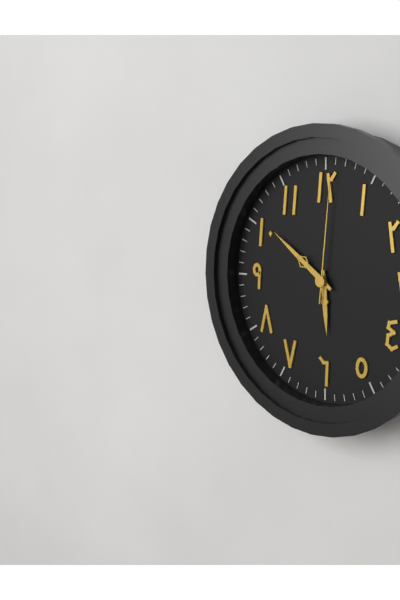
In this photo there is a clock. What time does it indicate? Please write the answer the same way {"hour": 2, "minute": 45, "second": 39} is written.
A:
{"hour": 5, "minute": 51, "second": 1}
